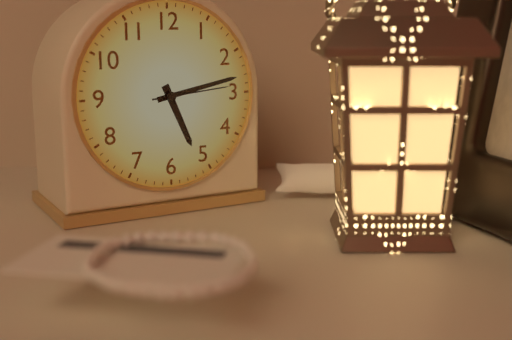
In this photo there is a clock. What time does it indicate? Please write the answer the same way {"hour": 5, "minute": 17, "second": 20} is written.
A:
{"hour": 5, "minute": 13, "second": 14}
